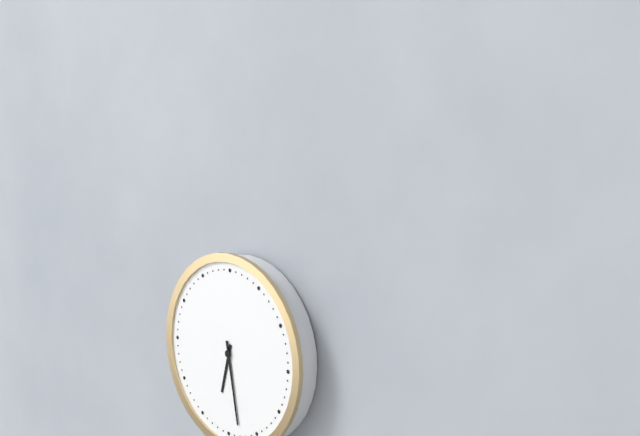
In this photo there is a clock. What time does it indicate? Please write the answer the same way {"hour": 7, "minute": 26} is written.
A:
{"hour": 6, "minute": 28}
